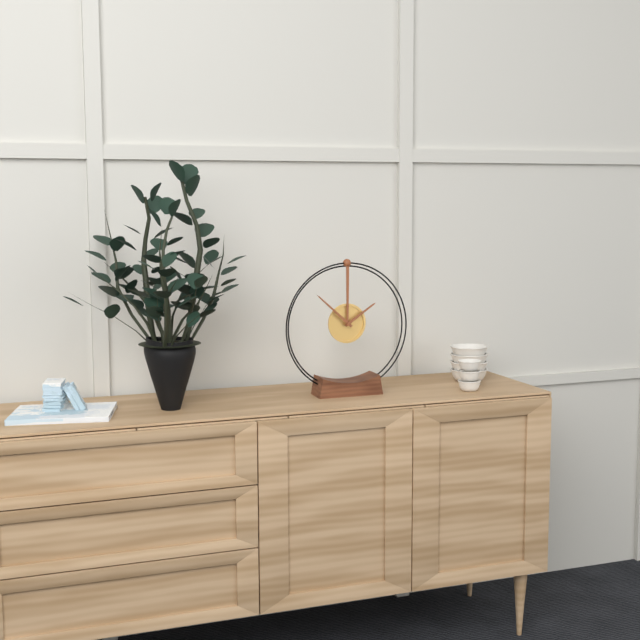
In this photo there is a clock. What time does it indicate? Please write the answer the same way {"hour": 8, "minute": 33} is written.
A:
{"hour": 1, "minute": 52}
